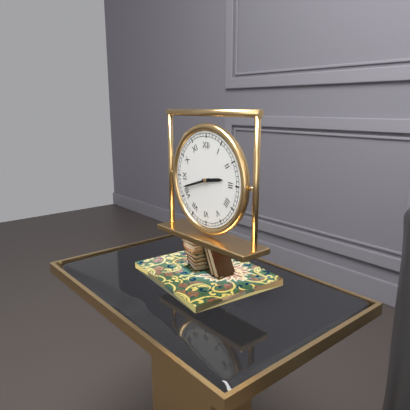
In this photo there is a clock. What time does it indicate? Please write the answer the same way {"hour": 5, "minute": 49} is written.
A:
{"hour": 2, "minute": 42}
